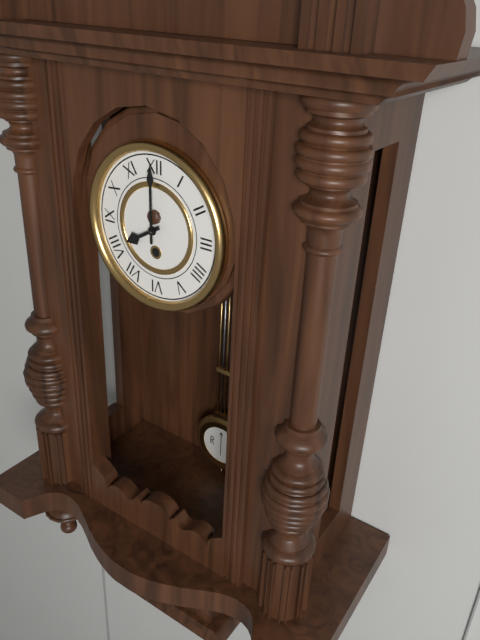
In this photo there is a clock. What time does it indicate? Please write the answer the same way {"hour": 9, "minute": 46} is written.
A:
{"hour": 8, "minute": 0}
